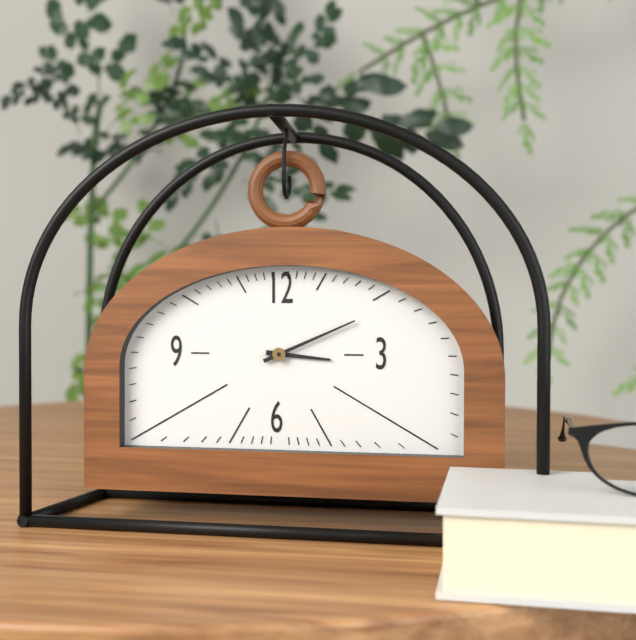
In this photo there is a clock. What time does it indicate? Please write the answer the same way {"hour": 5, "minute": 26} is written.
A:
{"hour": 3, "minute": 11}
